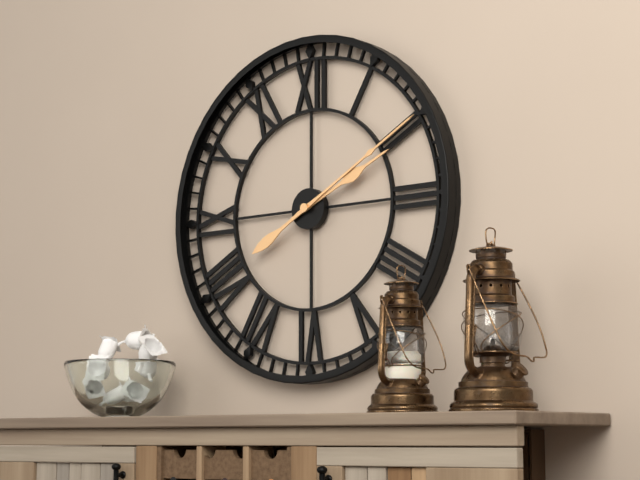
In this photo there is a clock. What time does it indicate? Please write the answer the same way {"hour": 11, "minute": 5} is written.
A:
{"hour": 2, "minute": 10}
